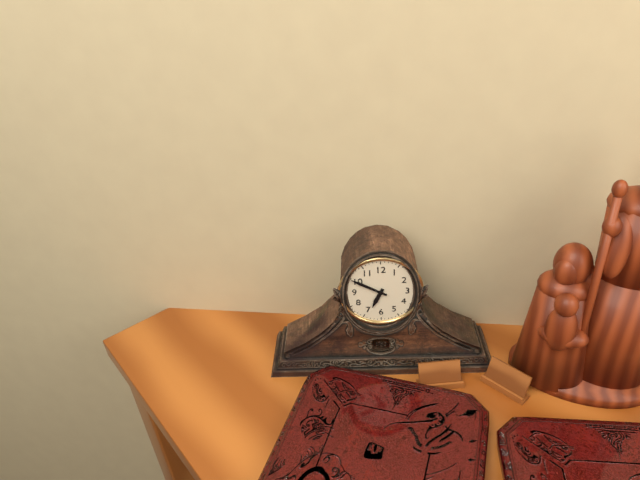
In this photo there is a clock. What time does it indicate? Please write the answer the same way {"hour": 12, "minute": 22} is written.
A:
{"hour": 6, "minute": 50}
